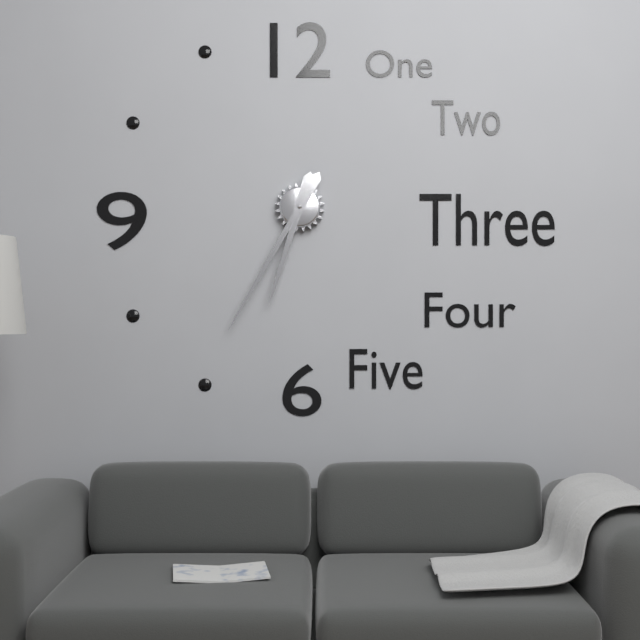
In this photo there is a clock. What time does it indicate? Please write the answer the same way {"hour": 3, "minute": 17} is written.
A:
{"hour": 6, "minute": 35}
